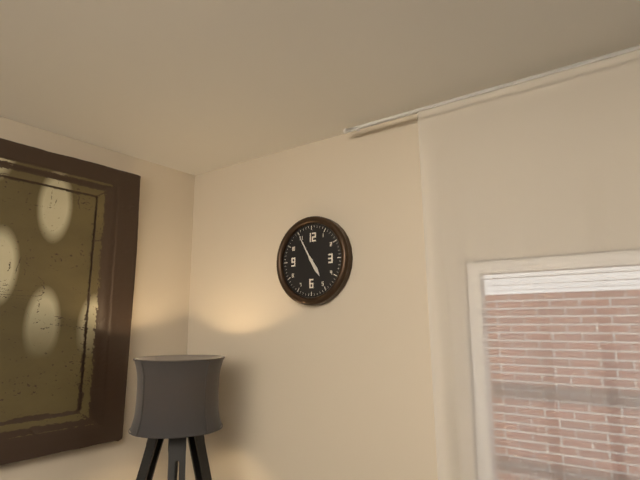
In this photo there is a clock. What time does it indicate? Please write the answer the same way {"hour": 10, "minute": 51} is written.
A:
{"hour": 4, "minute": 55}
